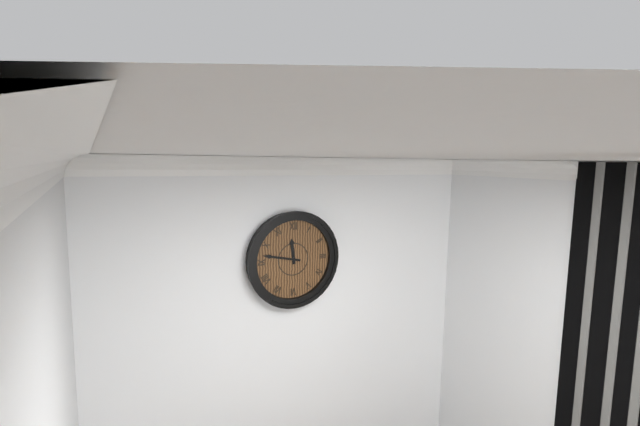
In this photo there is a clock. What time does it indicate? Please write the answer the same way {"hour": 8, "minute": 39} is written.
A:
{"hour": 11, "minute": 47}
